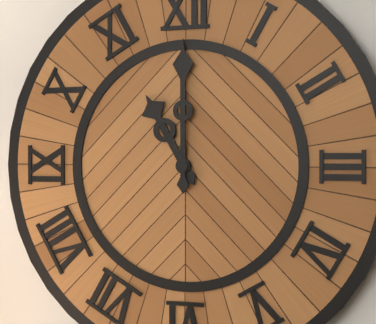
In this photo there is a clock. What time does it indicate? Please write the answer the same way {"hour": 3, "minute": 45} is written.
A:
{"hour": 11, "minute": 0}
